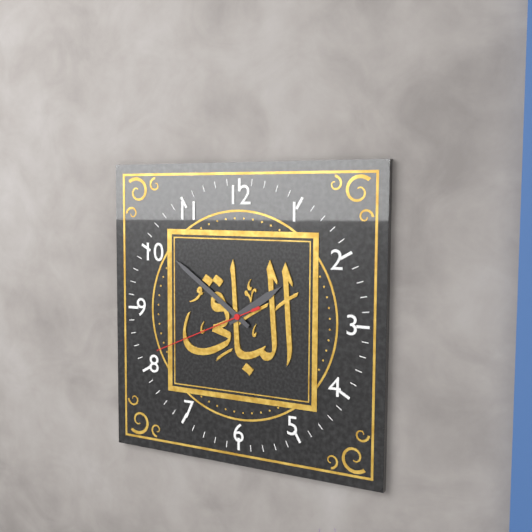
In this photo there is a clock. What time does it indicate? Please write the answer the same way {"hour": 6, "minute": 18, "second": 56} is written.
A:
{"hour": 1, "minute": 51, "second": 41}
